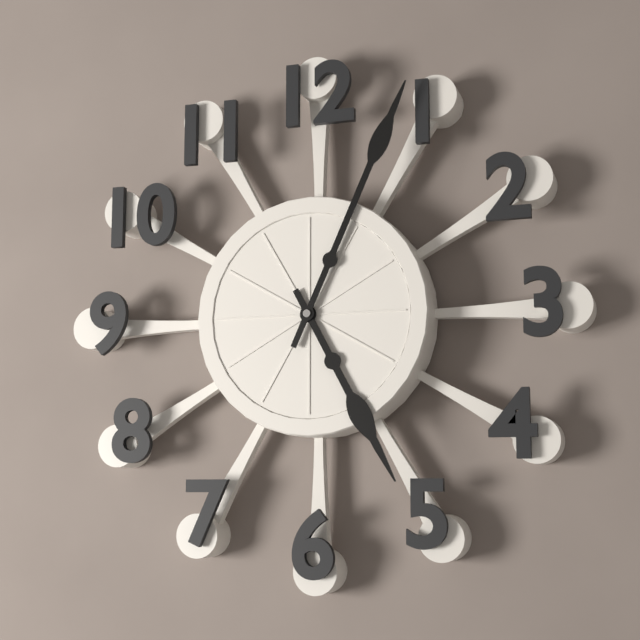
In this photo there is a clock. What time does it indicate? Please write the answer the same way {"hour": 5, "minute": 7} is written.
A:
{"hour": 5, "minute": 4}
